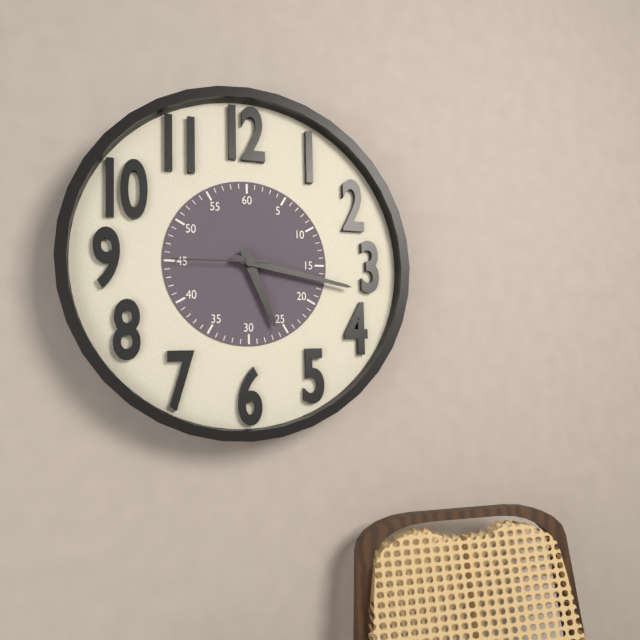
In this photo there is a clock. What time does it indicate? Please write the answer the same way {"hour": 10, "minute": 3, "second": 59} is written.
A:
{"hour": 5, "minute": 17, "second": 45}
